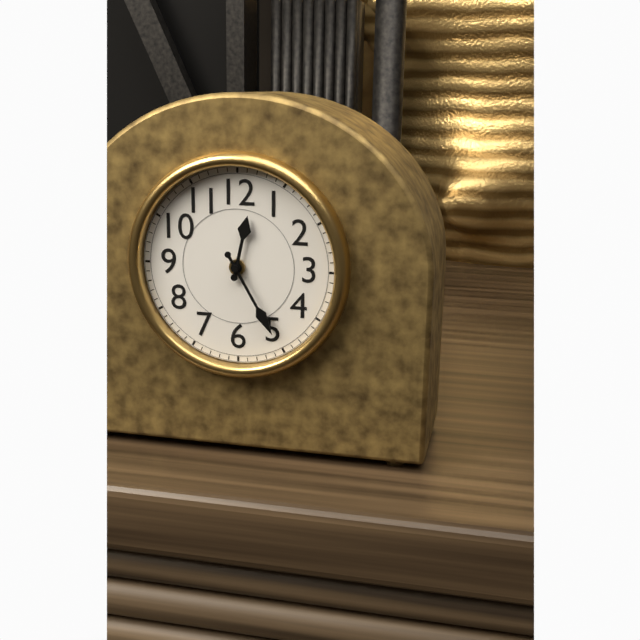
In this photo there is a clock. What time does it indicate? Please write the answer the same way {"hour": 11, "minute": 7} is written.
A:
{"hour": 12, "minute": 25}
